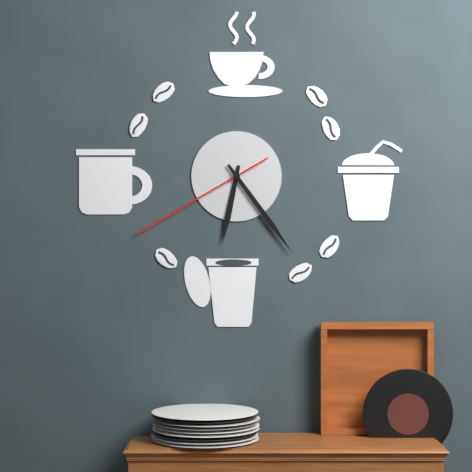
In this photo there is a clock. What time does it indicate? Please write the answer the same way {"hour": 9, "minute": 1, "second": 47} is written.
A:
{"hour": 6, "minute": 24, "second": 40}
